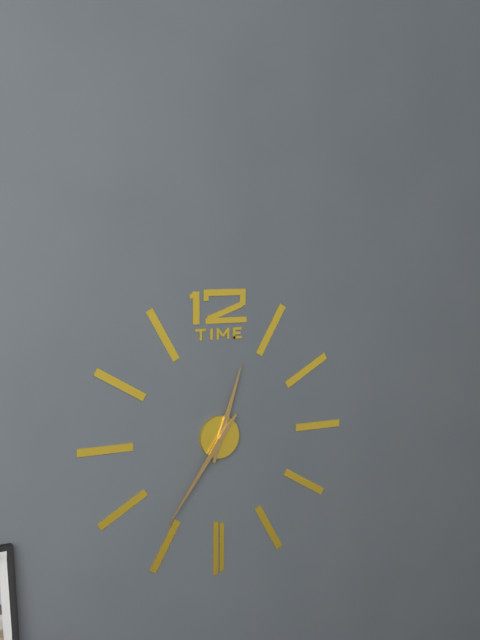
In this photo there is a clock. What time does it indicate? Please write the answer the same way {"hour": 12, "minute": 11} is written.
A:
{"hour": 12, "minute": 36}
